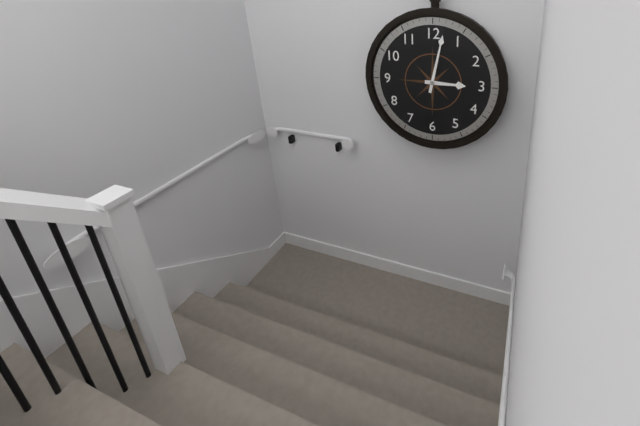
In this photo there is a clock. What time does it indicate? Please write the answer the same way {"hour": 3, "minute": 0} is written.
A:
{"hour": 3, "minute": 2}
